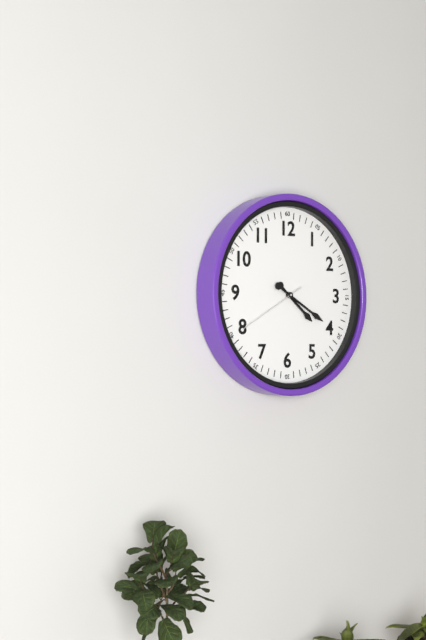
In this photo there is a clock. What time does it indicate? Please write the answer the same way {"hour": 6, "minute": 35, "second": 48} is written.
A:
{"hour": 4, "minute": 20, "second": 40}
